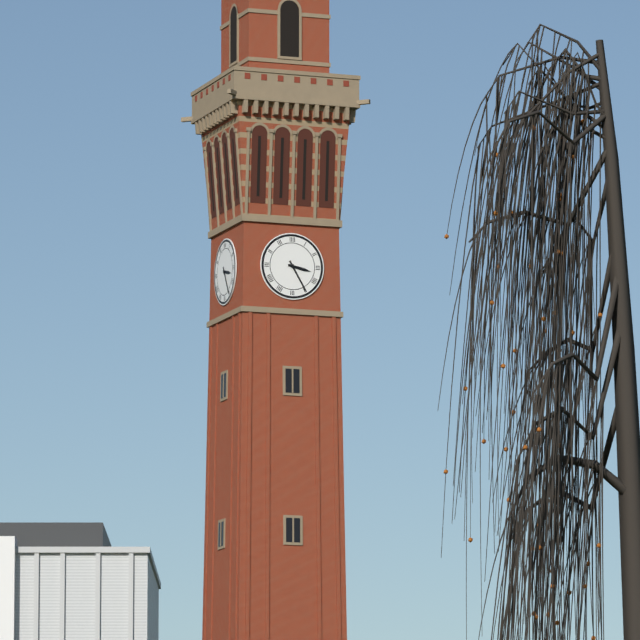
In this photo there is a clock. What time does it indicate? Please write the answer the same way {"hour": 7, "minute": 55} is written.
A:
{"hour": 3, "minute": 25}
